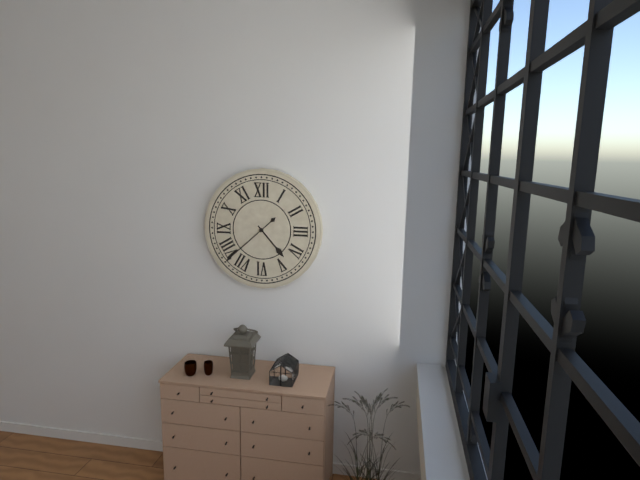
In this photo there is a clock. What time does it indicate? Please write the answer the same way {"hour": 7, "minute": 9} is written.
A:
{"hour": 4, "minute": 38}
